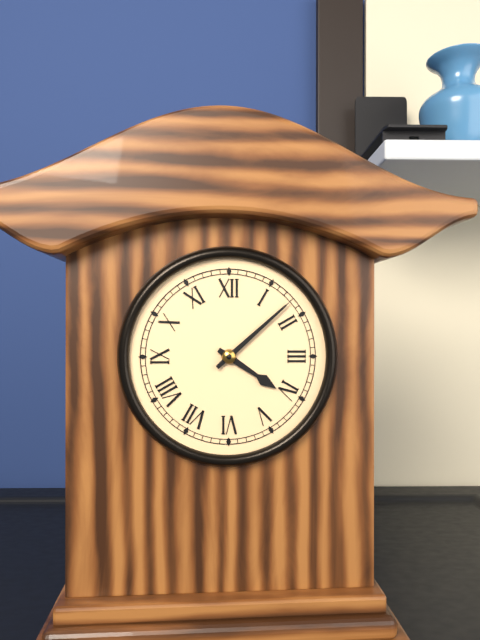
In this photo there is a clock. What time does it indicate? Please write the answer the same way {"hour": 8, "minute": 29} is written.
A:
{"hour": 4, "minute": 8}
